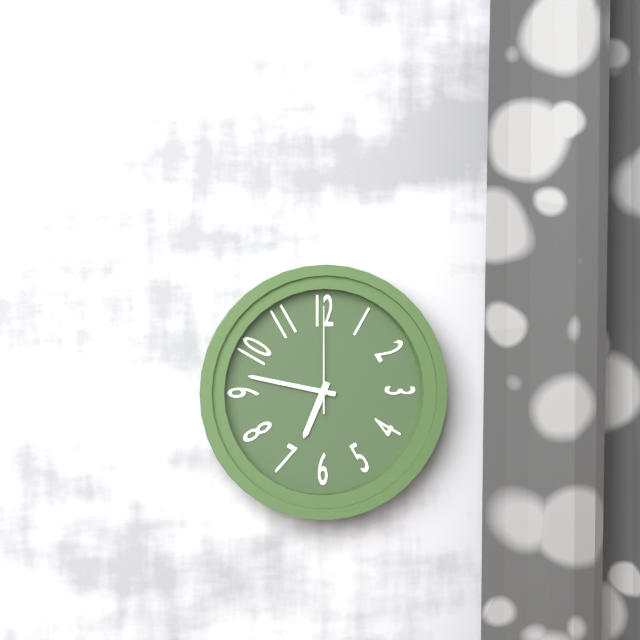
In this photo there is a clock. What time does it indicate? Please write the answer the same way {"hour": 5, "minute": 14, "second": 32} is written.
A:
{"hour": 6, "minute": 47, "second": 0}
